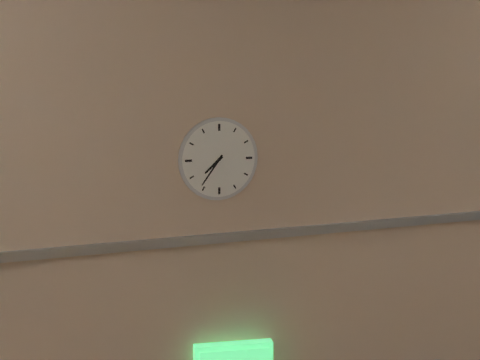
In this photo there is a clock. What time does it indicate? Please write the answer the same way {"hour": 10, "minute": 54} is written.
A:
{"hour": 7, "minute": 36}
